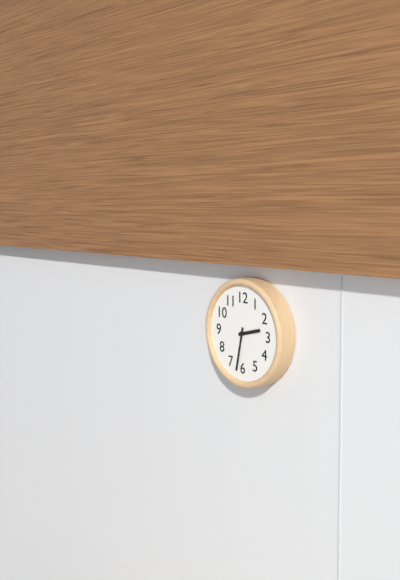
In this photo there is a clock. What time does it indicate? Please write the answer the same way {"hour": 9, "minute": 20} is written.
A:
{"hour": 2, "minute": 32}
